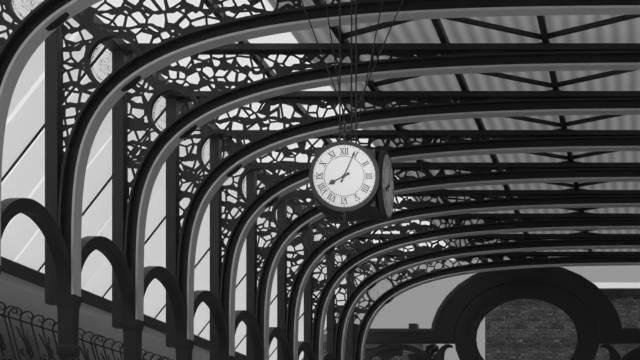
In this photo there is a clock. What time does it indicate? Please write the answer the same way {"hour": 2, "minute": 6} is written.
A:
{"hour": 8, "minute": 4}
